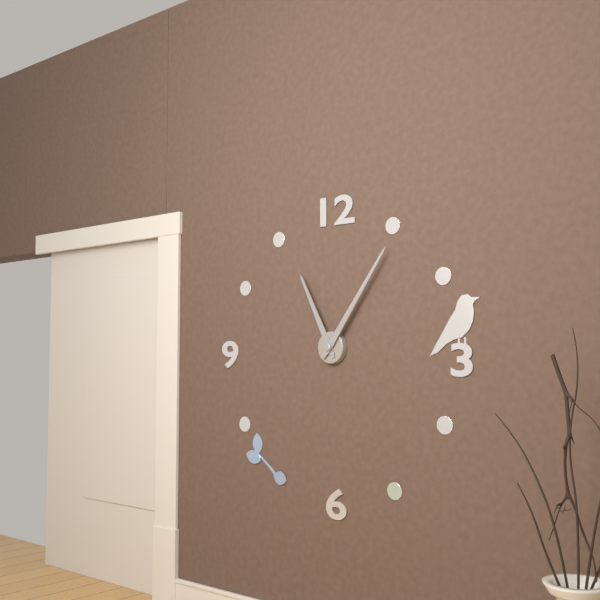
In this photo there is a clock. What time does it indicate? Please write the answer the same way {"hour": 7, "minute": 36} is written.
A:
{"hour": 11, "minute": 6}
